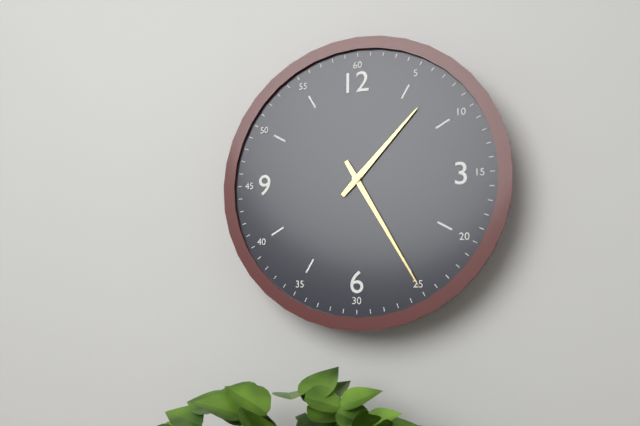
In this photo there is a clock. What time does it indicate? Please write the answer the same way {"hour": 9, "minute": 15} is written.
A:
{"hour": 1, "minute": 25}
